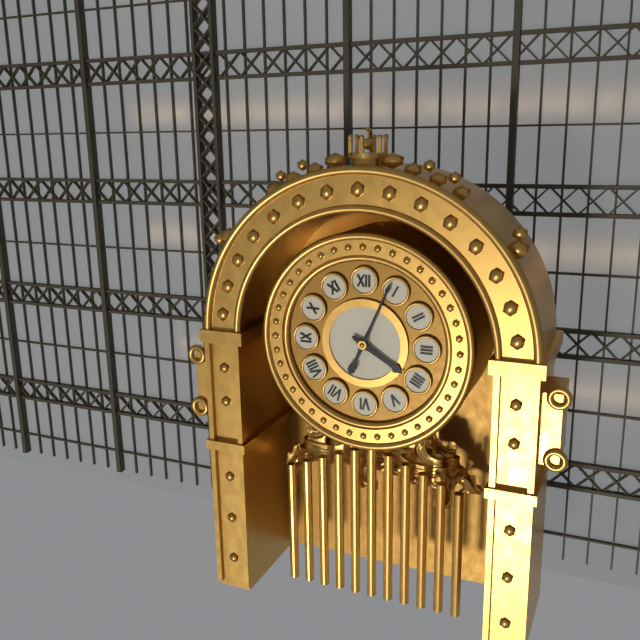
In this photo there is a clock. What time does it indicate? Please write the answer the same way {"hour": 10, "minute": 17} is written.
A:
{"hour": 4, "minute": 4}
